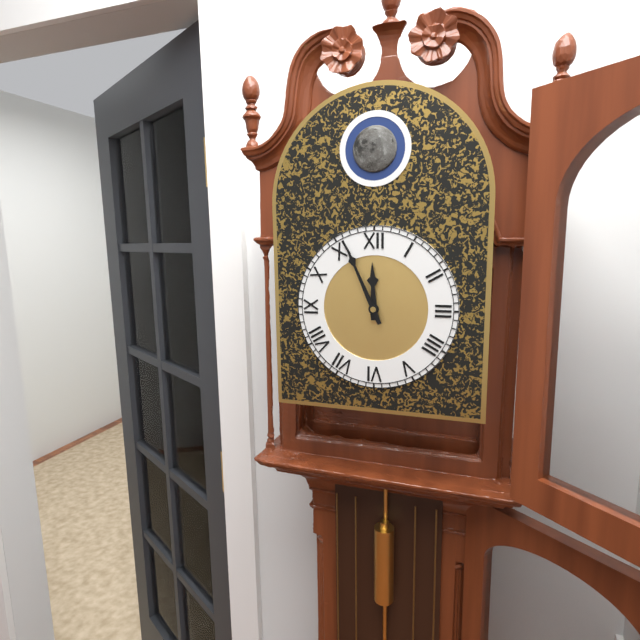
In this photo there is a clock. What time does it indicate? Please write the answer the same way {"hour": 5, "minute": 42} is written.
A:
{"hour": 11, "minute": 56}
